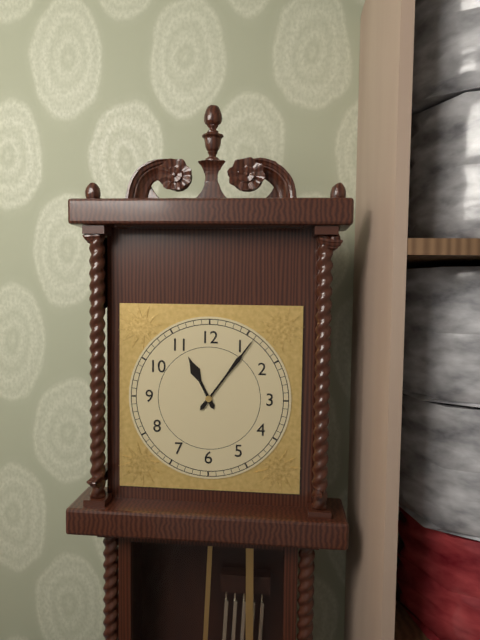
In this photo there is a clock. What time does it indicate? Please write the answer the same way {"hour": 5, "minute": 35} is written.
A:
{"hour": 11, "minute": 6}
